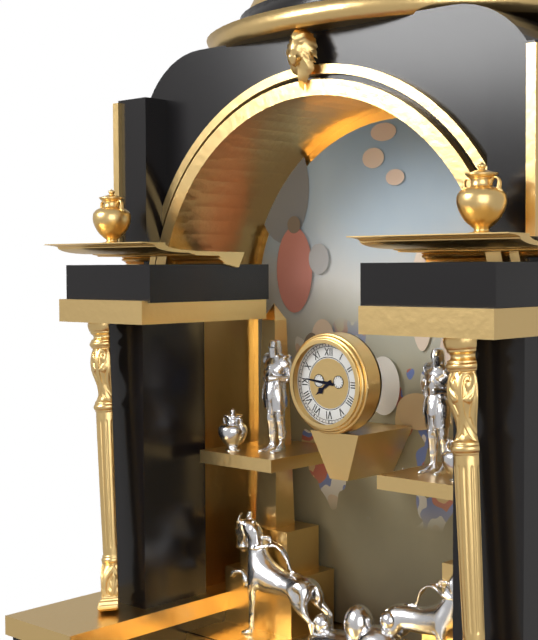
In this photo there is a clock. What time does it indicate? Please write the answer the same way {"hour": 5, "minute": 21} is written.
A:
{"hour": 7, "minute": 46}
